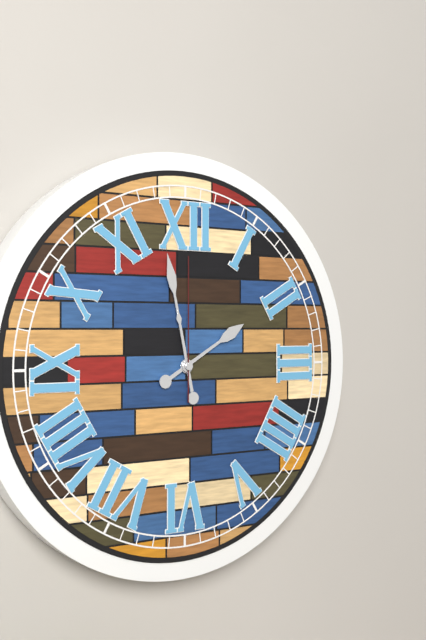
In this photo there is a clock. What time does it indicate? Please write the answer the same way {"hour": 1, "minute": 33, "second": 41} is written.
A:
{"hour": 1, "minute": 58, "second": 0}
